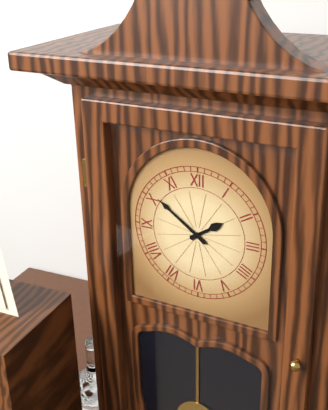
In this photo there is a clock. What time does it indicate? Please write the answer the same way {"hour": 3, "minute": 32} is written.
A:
{"hour": 1, "minute": 51}
